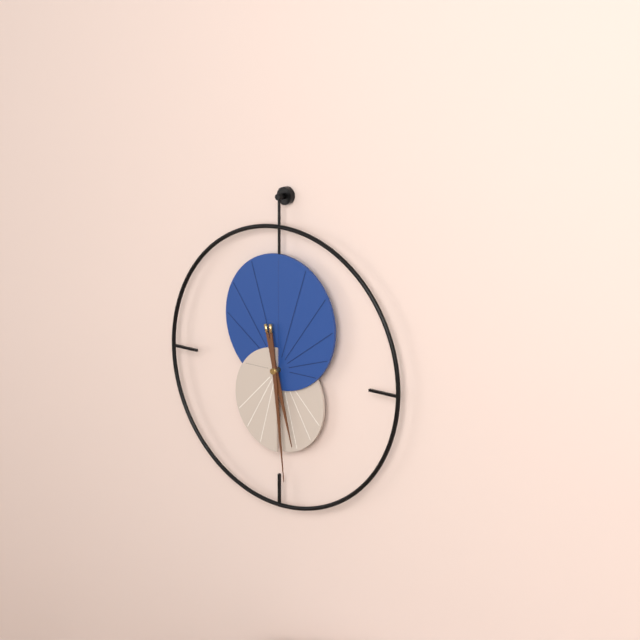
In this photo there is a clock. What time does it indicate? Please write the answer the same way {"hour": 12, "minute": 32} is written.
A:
{"hour": 5, "minute": 29}
